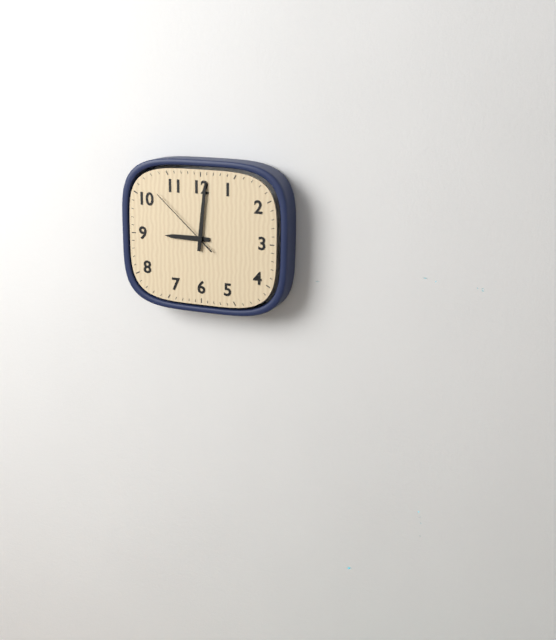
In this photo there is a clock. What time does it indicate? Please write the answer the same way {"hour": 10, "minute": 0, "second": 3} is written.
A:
{"hour": 9, "minute": 1, "second": 52}
